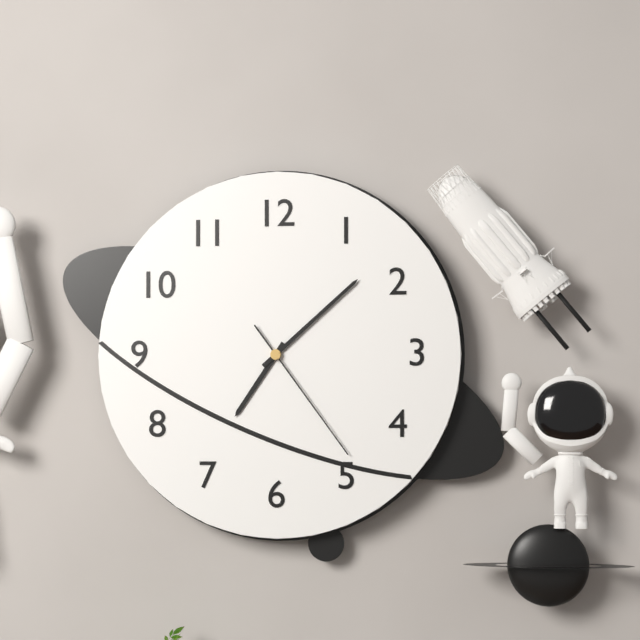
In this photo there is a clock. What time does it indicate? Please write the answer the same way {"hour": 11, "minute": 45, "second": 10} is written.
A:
{"hour": 7, "minute": 8, "second": 24}
